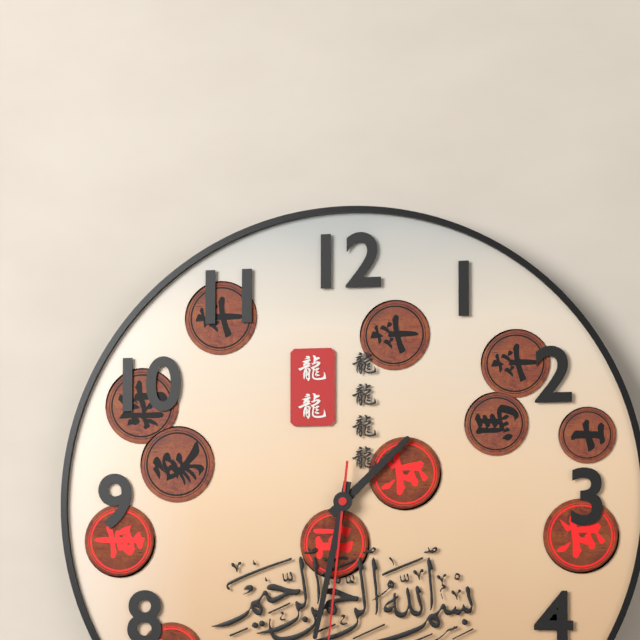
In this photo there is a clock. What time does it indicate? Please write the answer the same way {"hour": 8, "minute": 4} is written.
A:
{"hour": 1, "minute": 32}
